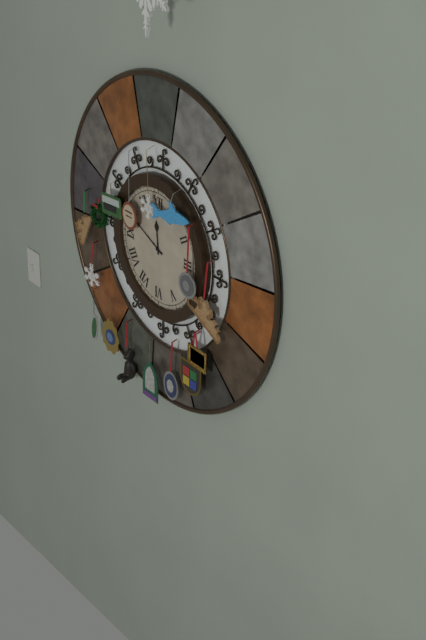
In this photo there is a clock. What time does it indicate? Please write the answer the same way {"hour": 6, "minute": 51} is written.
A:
{"hour": 11, "minute": 49}
